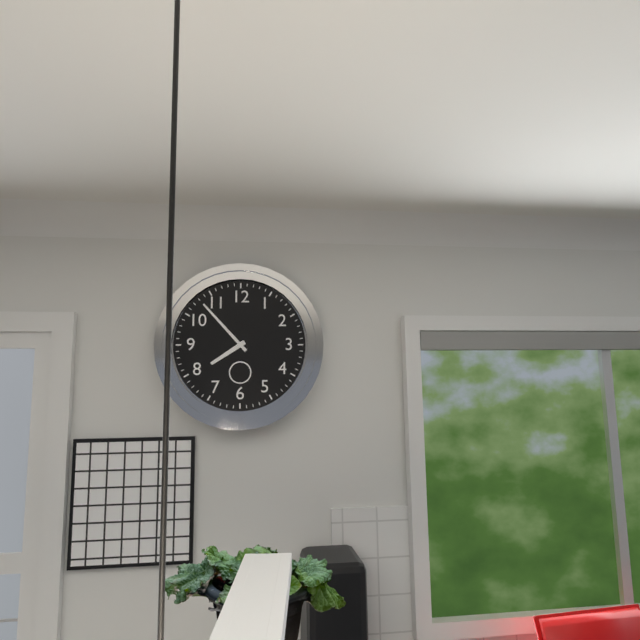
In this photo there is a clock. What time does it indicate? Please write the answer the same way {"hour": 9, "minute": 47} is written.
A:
{"hour": 7, "minute": 53}
